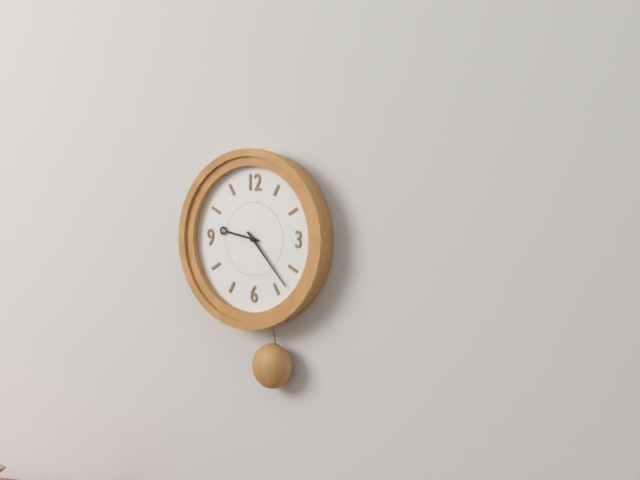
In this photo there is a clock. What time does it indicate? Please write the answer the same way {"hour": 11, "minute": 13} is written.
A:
{"hour": 9, "minute": 23}
